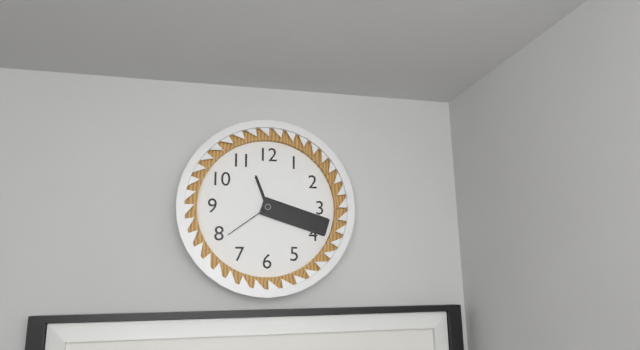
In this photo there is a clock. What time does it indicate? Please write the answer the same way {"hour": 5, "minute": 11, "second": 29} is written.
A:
{"hour": 11, "minute": 18, "second": 39}
